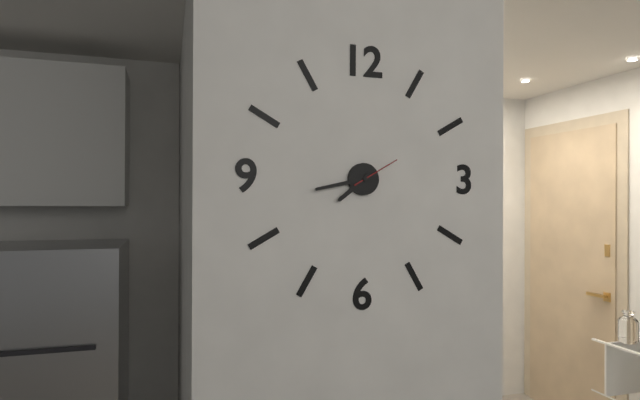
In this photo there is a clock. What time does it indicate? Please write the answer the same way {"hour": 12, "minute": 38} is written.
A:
{"hour": 7, "minute": 43}
